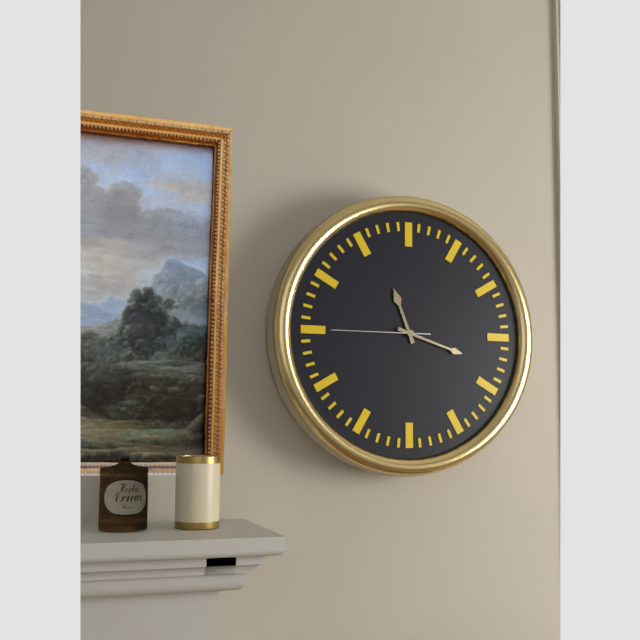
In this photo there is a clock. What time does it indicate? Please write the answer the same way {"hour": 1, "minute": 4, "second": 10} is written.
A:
{"hour": 11, "minute": 18, "second": 45}
